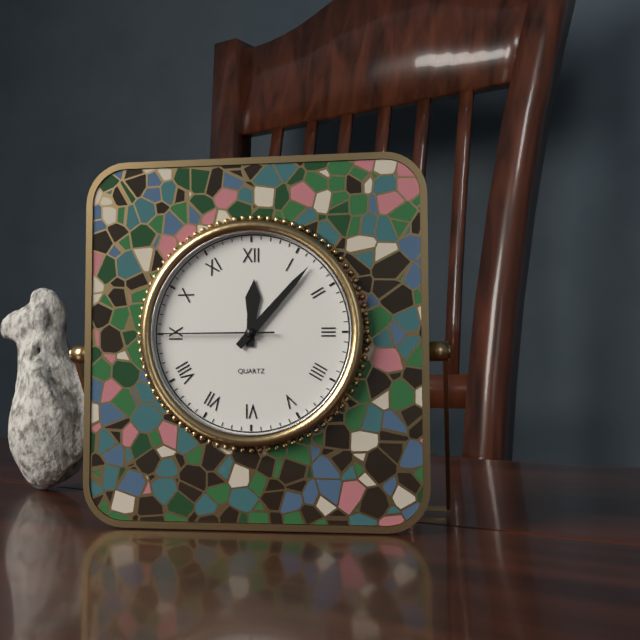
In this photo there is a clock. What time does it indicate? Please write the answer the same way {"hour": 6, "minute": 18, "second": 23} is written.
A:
{"hour": 12, "minute": 7, "second": 45}
